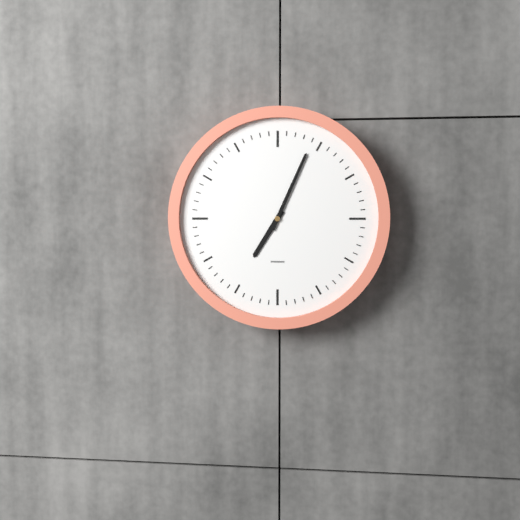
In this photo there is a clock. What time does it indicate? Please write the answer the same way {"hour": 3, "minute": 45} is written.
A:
{"hour": 7, "minute": 4}
